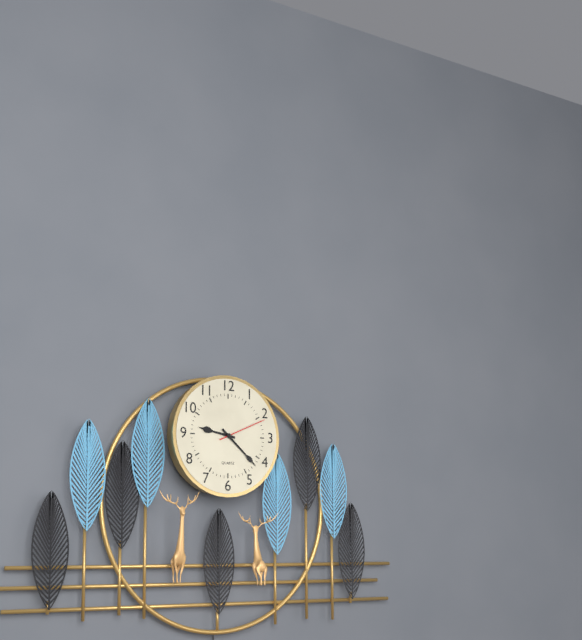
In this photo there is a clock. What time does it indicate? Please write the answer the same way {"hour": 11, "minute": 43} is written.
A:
{"hour": 9, "minute": 22}
